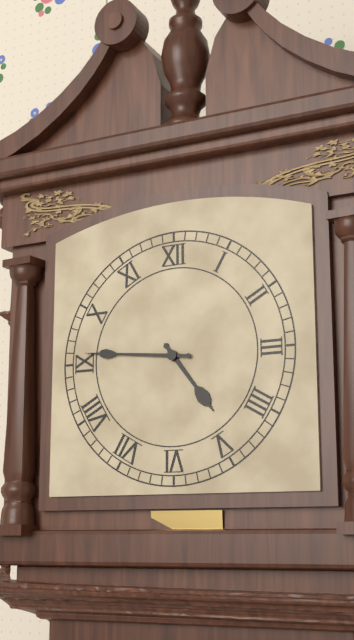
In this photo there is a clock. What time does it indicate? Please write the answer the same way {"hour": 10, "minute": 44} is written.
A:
{"hour": 4, "minute": 46}
